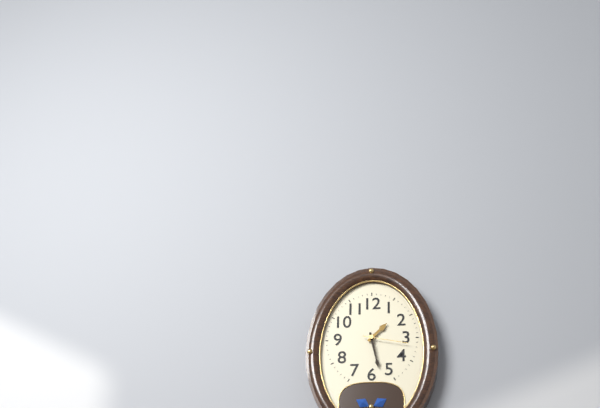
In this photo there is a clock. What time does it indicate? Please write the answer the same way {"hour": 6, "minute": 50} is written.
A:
{"hour": 1, "minute": 28}
